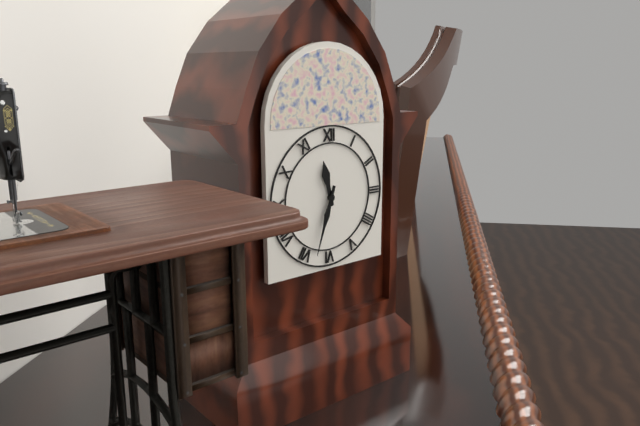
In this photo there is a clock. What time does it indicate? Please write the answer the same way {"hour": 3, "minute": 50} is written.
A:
{"hour": 11, "minute": 33}
